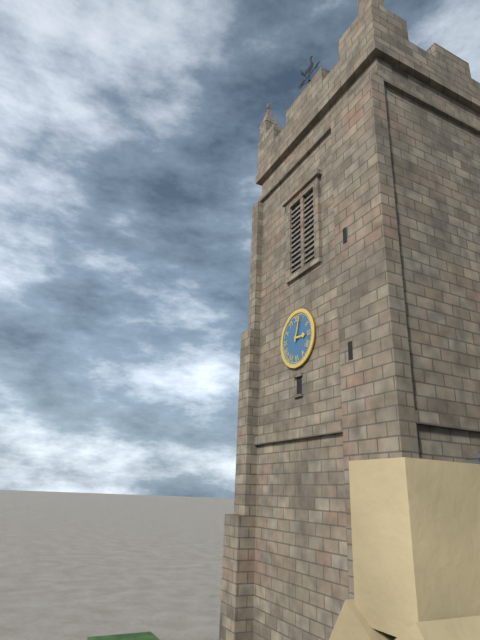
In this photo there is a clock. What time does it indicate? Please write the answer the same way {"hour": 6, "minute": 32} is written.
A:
{"hour": 3, "minute": 3}
